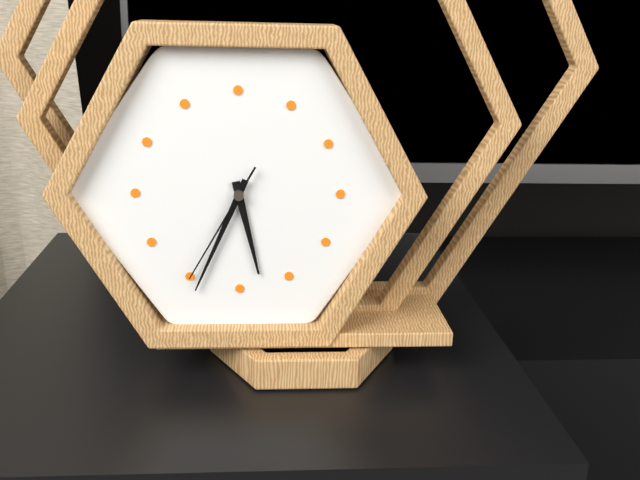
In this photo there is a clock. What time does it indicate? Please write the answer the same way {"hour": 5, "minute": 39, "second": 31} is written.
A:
{"hour": 5, "minute": 34, "second": 35}
